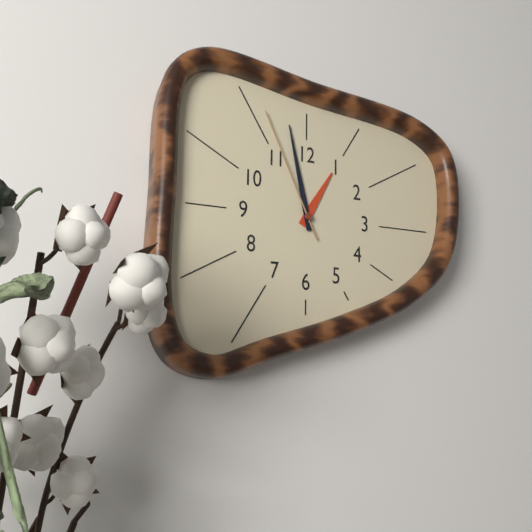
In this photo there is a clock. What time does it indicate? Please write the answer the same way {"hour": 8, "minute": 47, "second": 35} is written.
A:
{"hour": 12, "minute": 58, "second": 56}
